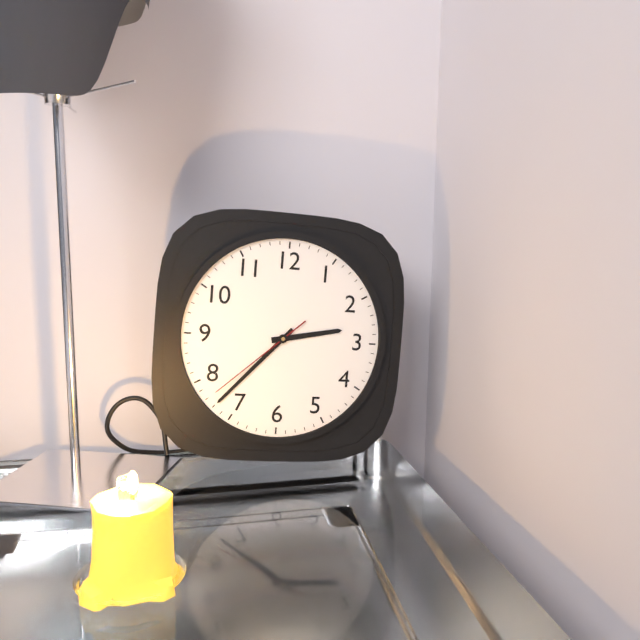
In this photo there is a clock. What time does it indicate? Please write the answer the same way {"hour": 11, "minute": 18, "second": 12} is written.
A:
{"hour": 2, "minute": 37, "second": 38}
